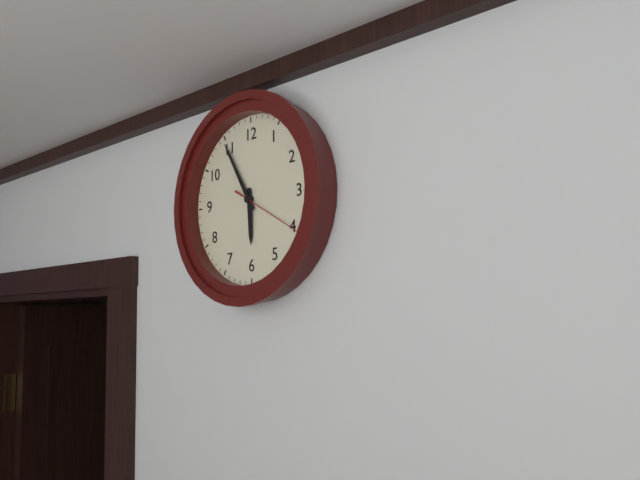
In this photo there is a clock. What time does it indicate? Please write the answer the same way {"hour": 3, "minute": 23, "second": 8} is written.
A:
{"hour": 5, "minute": 55, "second": 20}
